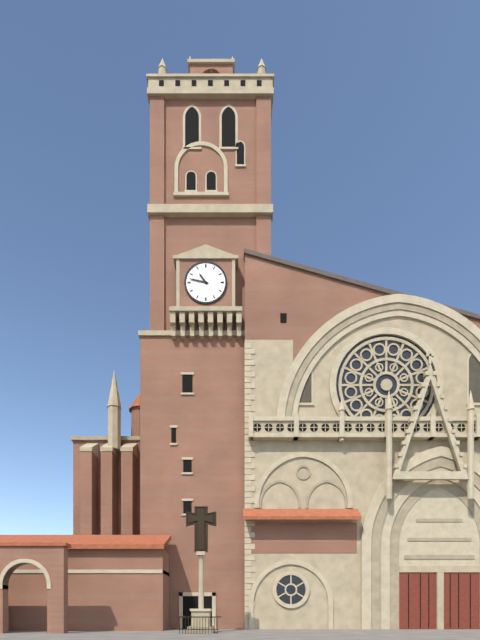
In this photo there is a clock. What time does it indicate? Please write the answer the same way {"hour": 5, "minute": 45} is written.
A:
{"hour": 10, "minute": 47}
